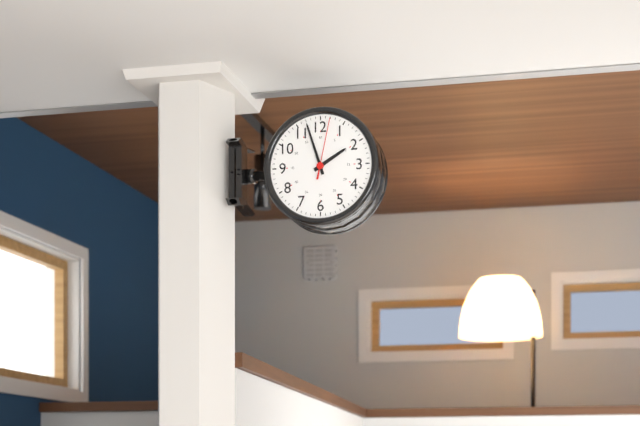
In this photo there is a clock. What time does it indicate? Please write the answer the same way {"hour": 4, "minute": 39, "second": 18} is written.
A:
{"hour": 1, "minute": 57, "second": 2}
